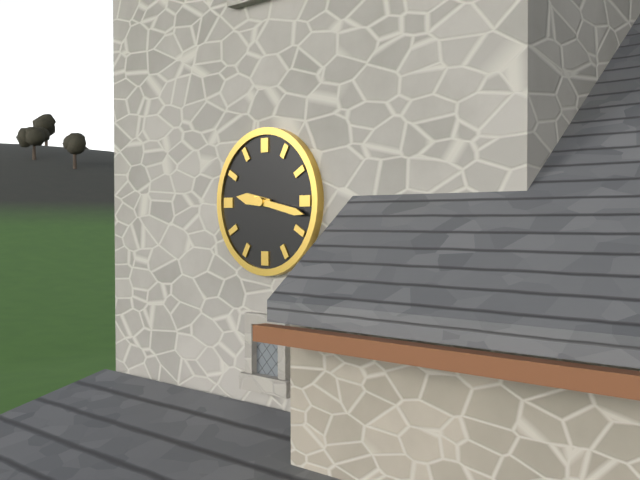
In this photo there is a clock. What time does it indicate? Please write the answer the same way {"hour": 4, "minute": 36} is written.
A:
{"hour": 9, "minute": 17}
